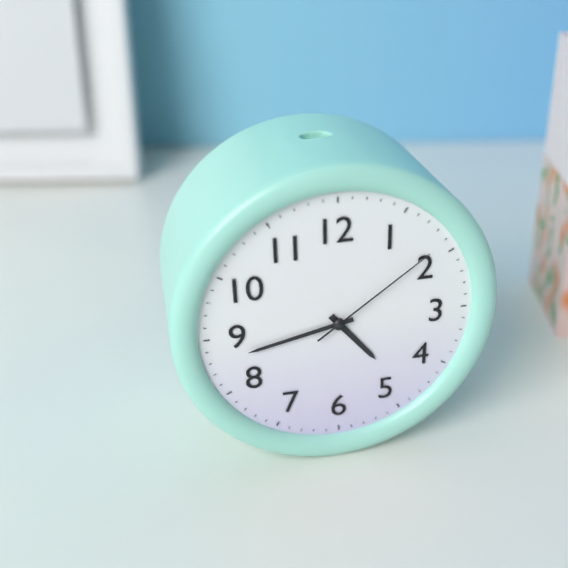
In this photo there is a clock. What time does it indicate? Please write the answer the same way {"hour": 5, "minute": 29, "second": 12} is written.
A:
{"hour": 4, "minute": 43, "second": 9}
